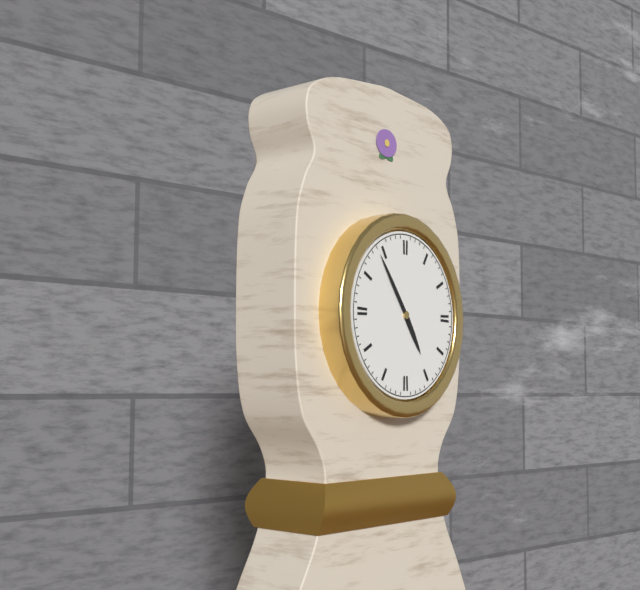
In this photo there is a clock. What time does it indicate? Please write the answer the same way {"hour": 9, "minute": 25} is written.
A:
{"hour": 4, "minute": 54}
